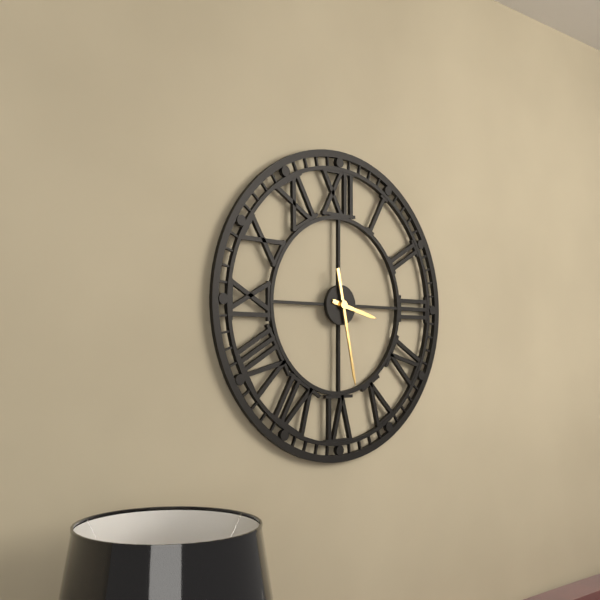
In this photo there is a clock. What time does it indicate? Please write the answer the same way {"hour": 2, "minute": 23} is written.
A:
{"hour": 3, "minute": 28}
